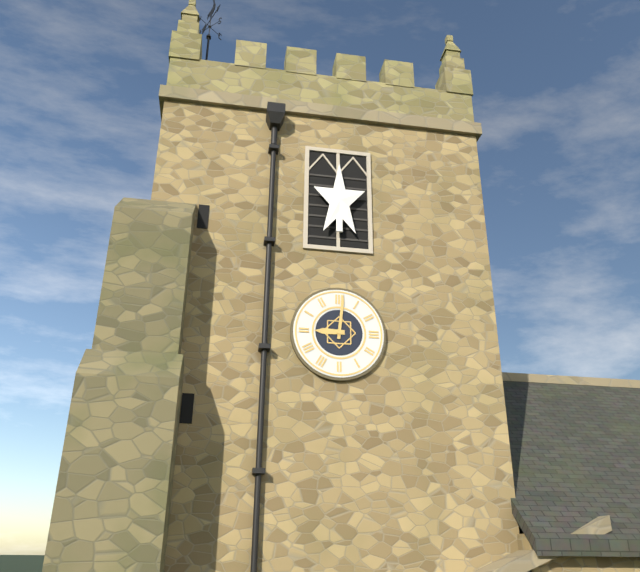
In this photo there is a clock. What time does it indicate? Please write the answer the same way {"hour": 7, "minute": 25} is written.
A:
{"hour": 9, "minute": 1}
